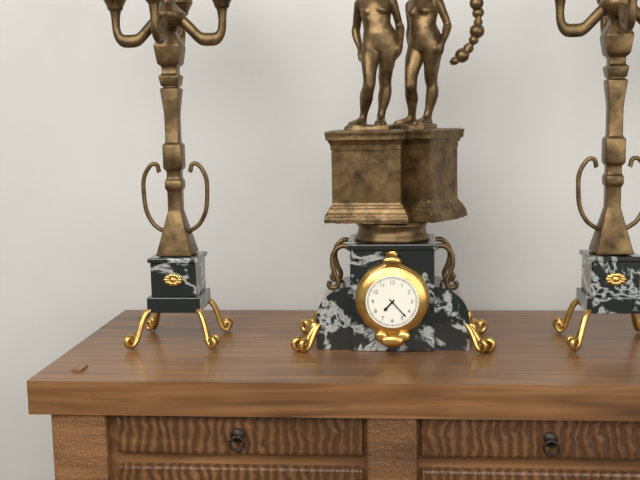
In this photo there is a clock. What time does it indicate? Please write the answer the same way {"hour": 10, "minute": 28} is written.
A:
{"hour": 7, "minute": 23}
